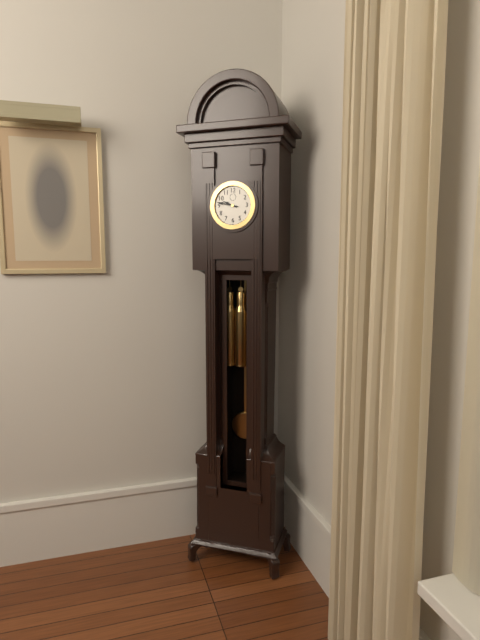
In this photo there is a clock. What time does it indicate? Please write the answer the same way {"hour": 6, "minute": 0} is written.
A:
{"hour": 9, "minute": 47}
